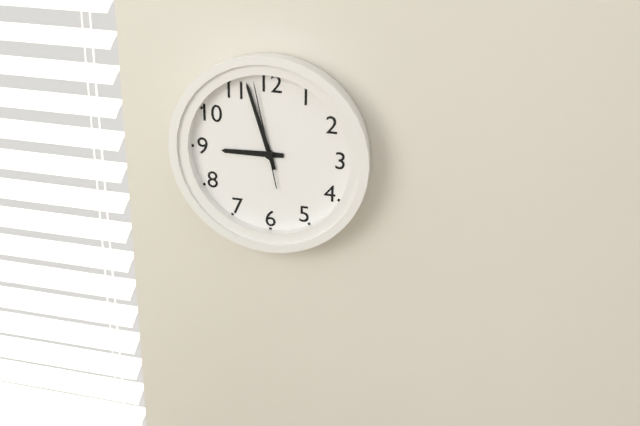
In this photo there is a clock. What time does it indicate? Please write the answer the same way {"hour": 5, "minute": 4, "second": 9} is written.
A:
{"hour": 8, "minute": 57, "second": 58}
